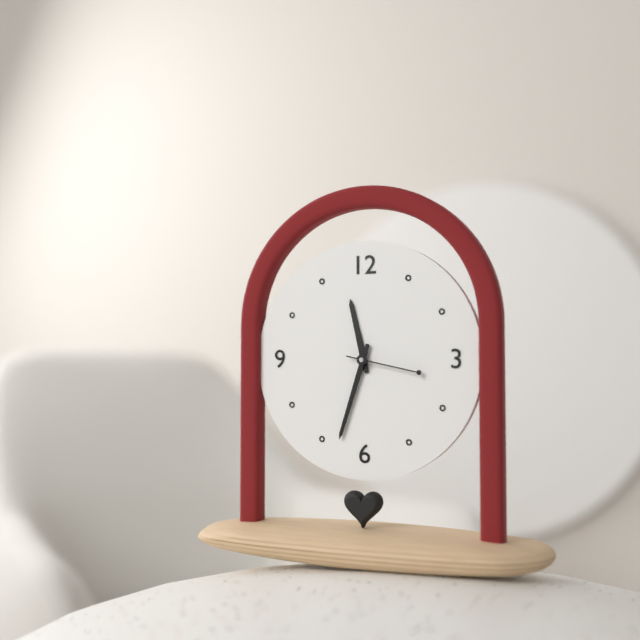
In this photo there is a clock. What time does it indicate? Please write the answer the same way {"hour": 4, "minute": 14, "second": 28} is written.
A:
{"hour": 11, "minute": 33, "second": 17}
